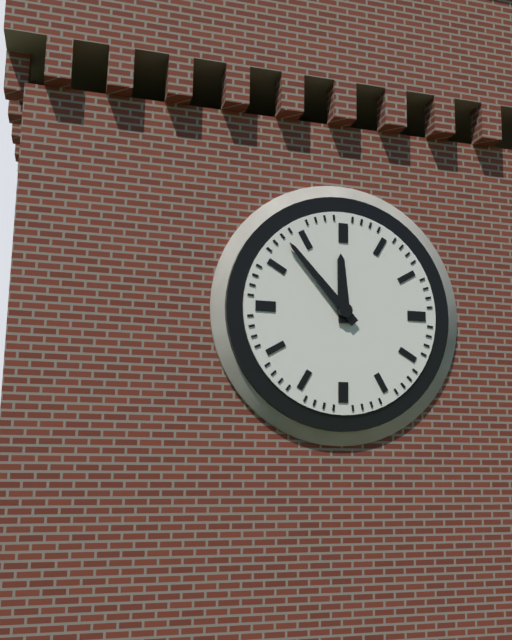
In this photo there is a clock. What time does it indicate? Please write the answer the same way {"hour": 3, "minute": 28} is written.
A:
{"hour": 11, "minute": 53}
